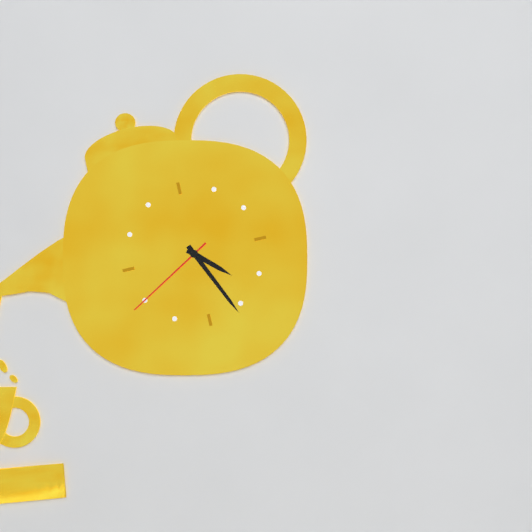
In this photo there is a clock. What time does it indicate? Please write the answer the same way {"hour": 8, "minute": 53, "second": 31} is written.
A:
{"hour": 4, "minute": 26, "second": 40}
